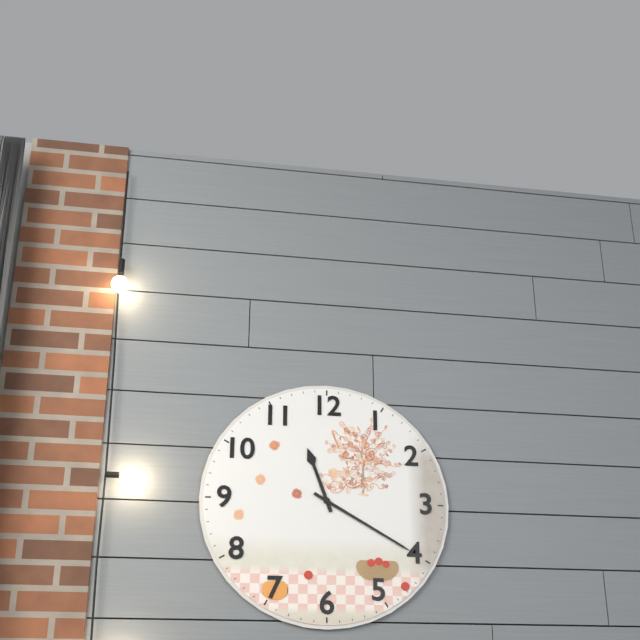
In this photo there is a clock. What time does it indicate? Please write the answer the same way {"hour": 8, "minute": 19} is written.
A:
{"hour": 11, "minute": 20}
